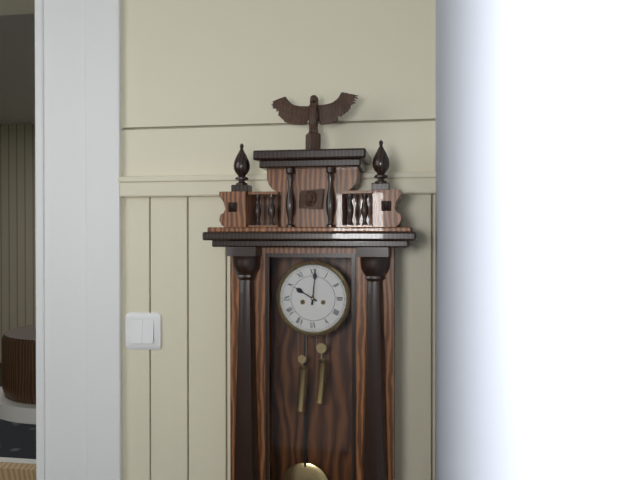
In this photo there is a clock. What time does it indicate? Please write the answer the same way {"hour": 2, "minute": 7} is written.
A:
{"hour": 10, "minute": 1}
